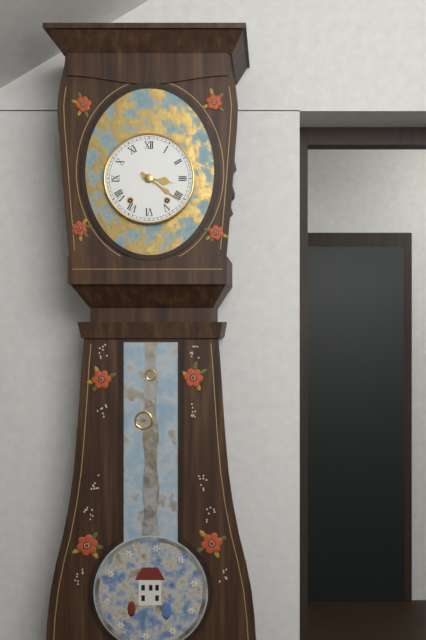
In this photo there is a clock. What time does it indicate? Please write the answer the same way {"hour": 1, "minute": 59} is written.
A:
{"hour": 3, "minute": 21}
